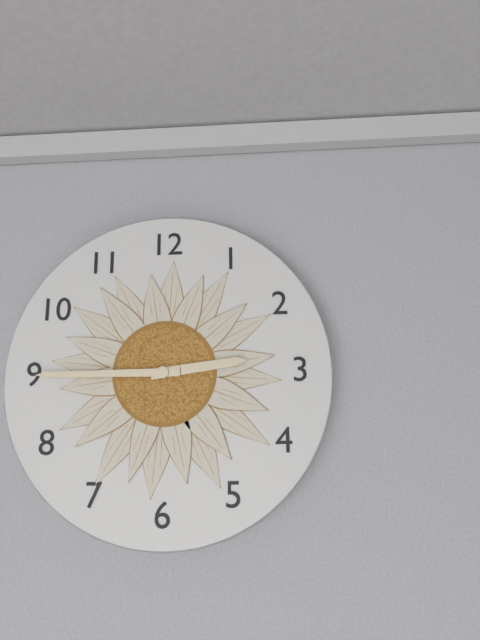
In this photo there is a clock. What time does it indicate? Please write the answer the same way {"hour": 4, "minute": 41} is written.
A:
{"hour": 2, "minute": 45}
